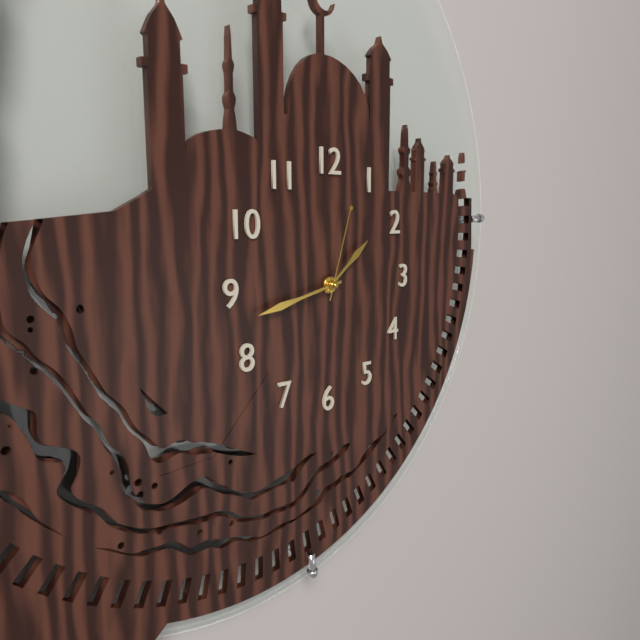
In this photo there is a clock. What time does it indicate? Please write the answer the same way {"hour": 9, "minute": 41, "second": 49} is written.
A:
{"hour": 1, "minute": 43, "second": 3}
